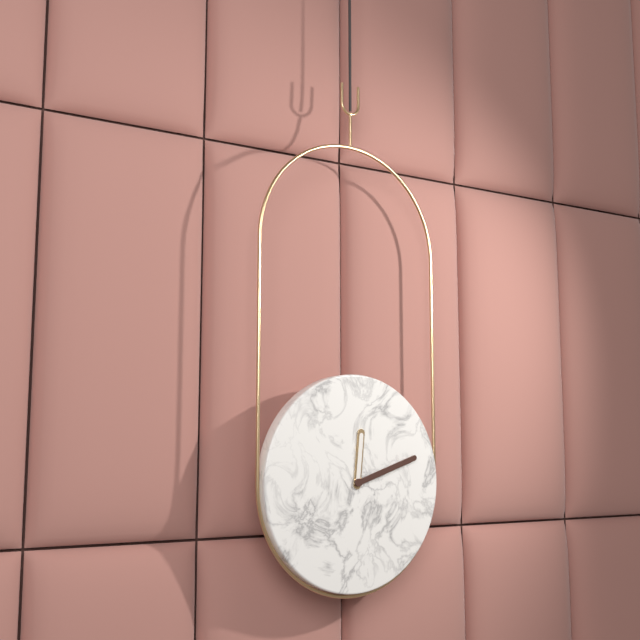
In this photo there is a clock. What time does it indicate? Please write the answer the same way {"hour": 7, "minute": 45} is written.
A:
{"hour": 12, "minute": 12}
